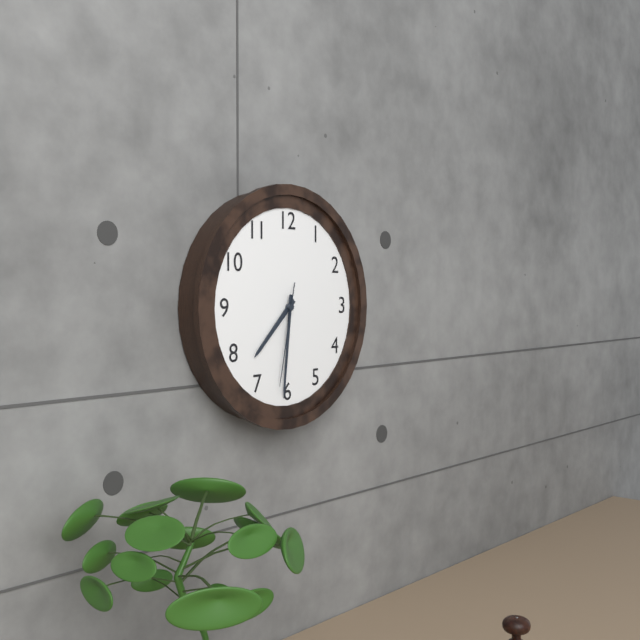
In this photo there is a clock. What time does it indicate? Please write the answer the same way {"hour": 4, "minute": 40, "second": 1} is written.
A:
{"hour": 7, "minute": 31, "second": 32}
